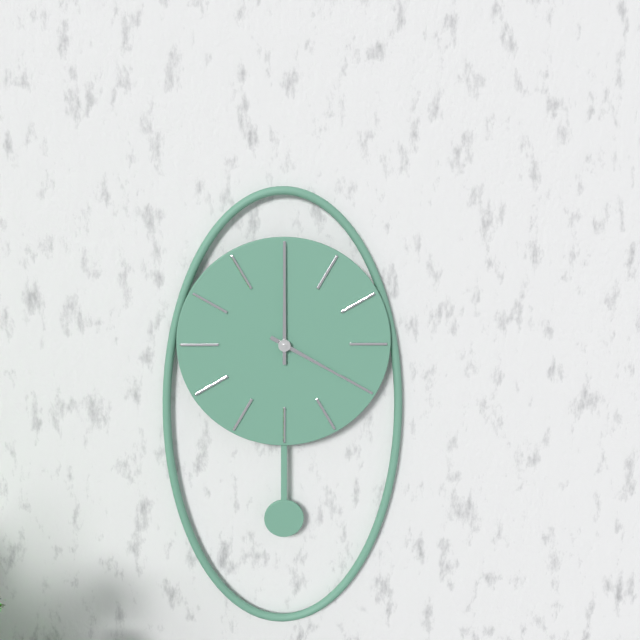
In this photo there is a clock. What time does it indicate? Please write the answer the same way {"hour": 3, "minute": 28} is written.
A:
{"hour": 4, "minute": 0}
